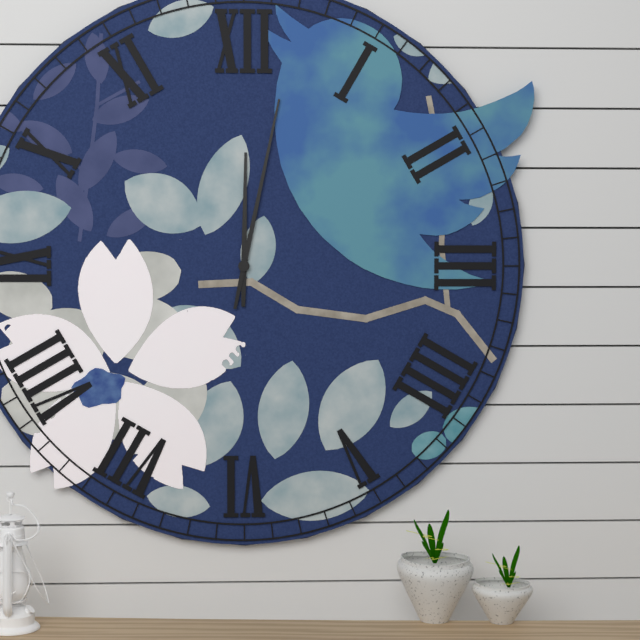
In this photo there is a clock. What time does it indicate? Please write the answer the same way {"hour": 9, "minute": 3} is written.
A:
{"hour": 12, "minute": 2}
